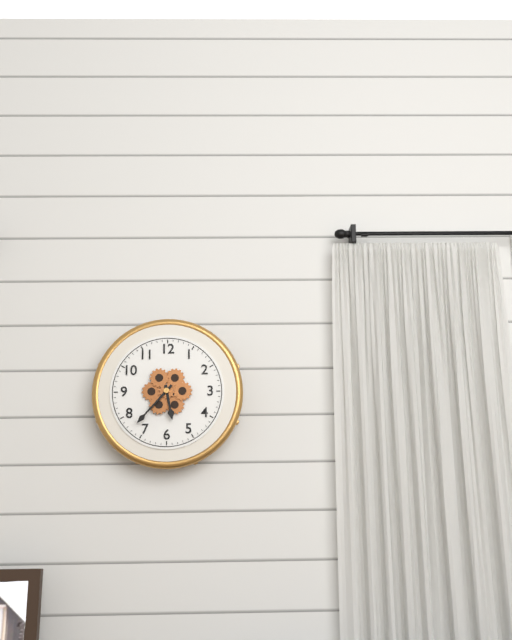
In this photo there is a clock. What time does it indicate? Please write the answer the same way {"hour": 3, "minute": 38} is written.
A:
{"hour": 5, "minute": 37}
